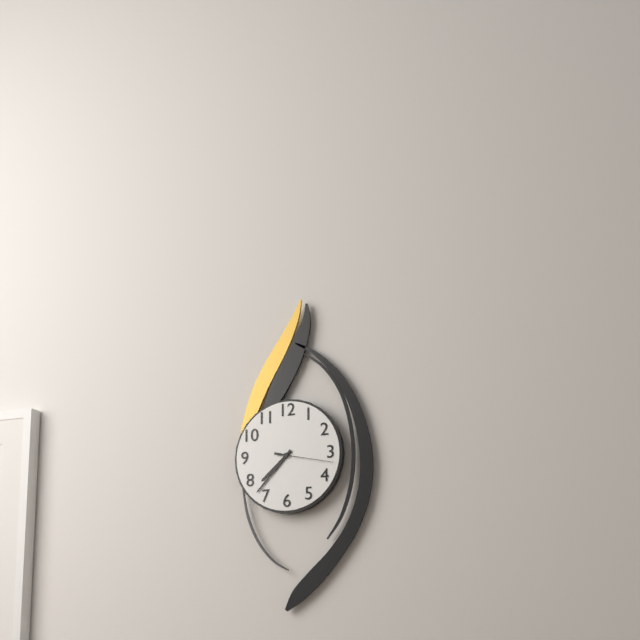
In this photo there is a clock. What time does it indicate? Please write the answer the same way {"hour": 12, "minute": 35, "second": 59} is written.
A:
{"hour": 7, "minute": 37, "second": 17}
